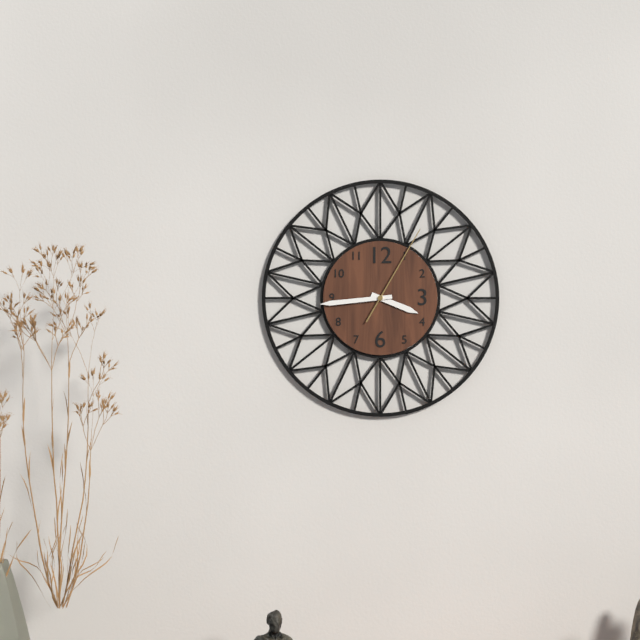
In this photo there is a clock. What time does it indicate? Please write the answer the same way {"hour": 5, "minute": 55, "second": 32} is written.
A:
{"hour": 3, "minute": 44, "second": 5}
